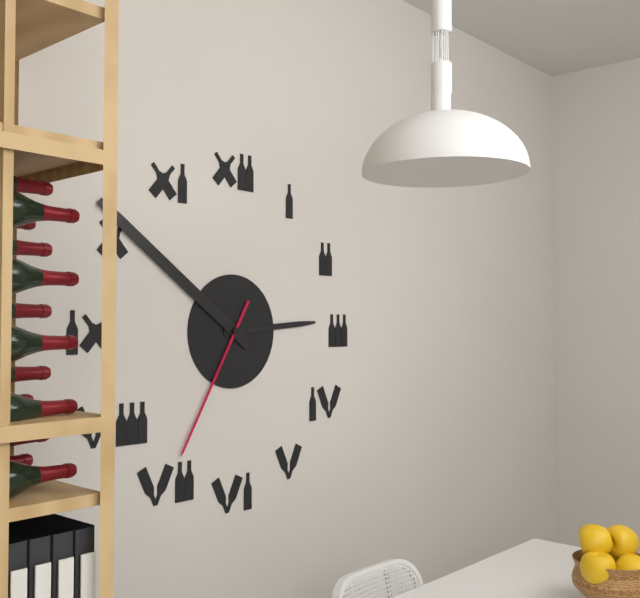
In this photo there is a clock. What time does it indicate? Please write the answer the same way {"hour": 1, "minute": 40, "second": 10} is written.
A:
{"hour": 2, "minute": 51, "second": 35}
